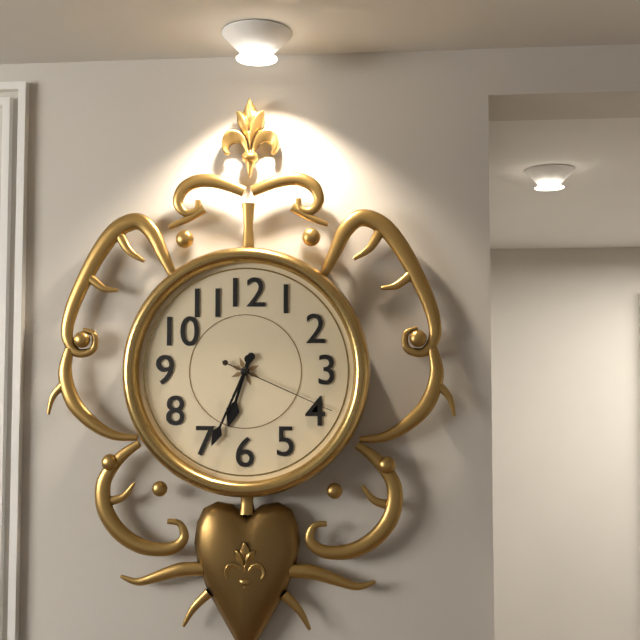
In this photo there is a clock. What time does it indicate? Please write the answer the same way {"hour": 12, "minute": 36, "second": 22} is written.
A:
{"hour": 6, "minute": 34, "second": 19}
